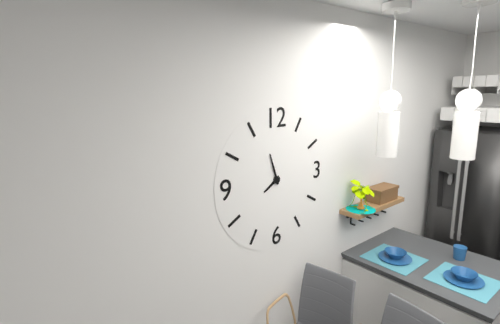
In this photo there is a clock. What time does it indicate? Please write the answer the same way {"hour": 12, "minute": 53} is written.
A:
{"hour": 7, "minute": 57}
